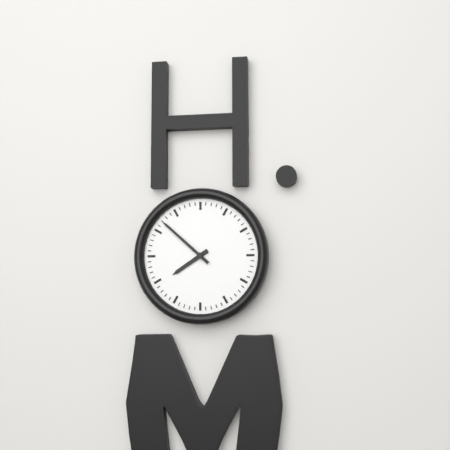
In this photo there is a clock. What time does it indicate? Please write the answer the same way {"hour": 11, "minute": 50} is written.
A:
{"hour": 7, "minute": 52}
